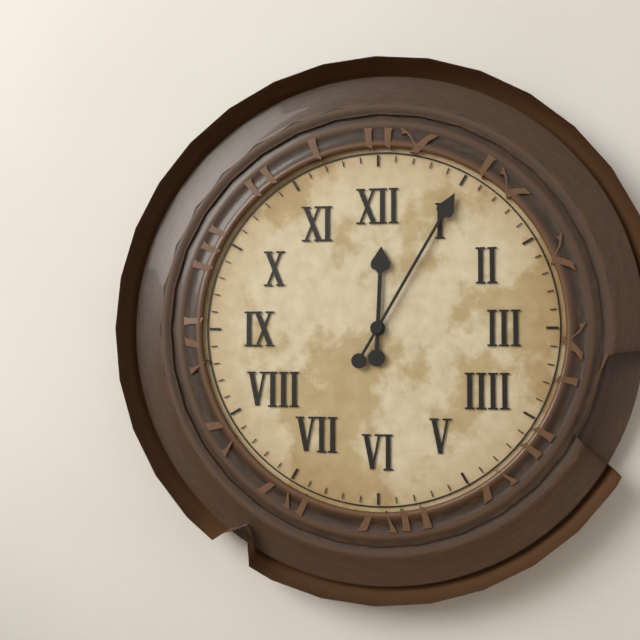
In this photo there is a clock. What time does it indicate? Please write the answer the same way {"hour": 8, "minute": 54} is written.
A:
{"hour": 12, "minute": 5}
